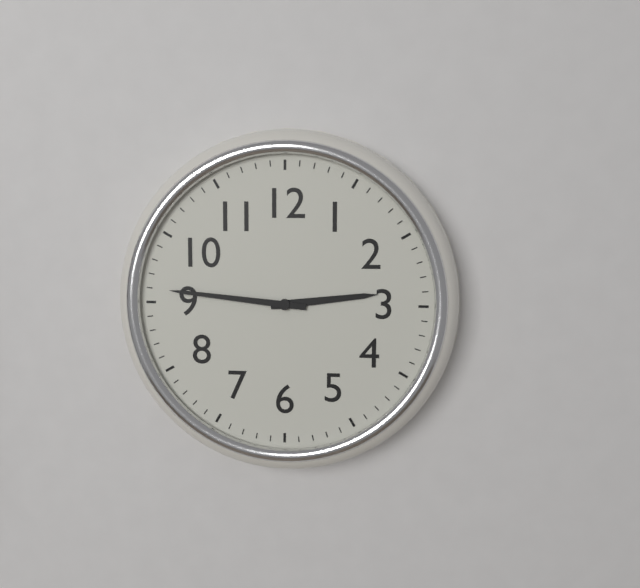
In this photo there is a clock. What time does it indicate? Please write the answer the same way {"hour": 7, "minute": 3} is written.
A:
{"hour": 2, "minute": 46}
